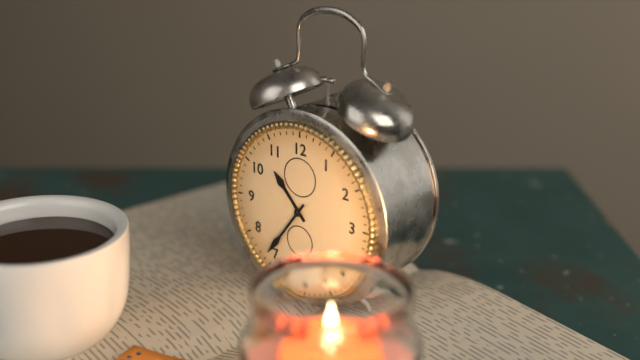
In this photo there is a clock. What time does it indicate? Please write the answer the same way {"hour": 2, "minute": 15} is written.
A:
{"hour": 10, "minute": 36}
